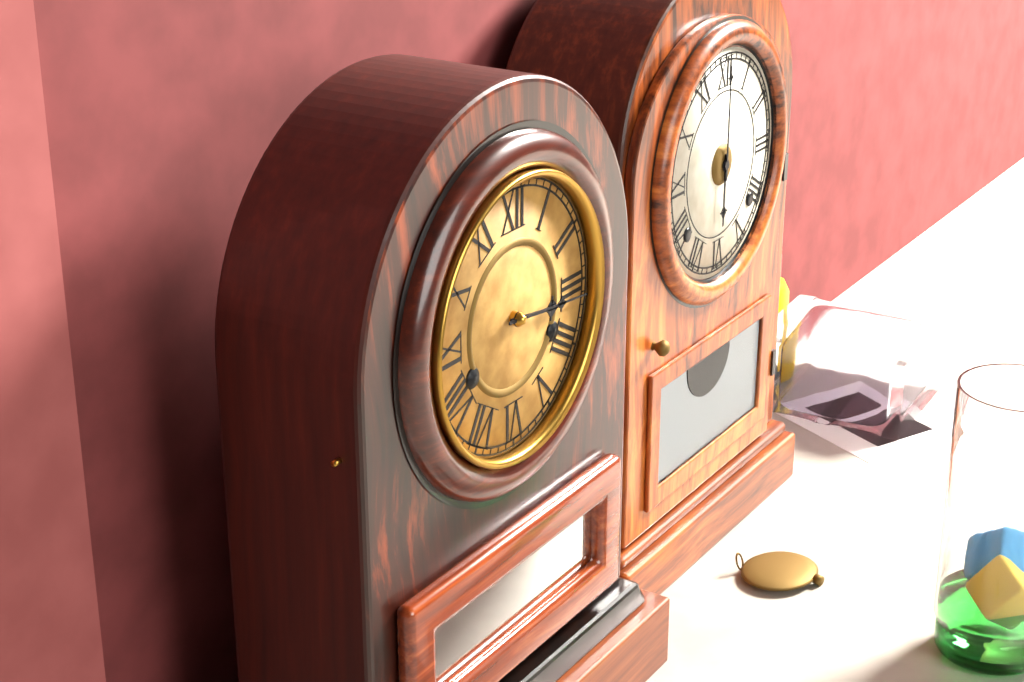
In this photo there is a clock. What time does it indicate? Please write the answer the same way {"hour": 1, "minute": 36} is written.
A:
{"hour": 3, "minute": 16}
